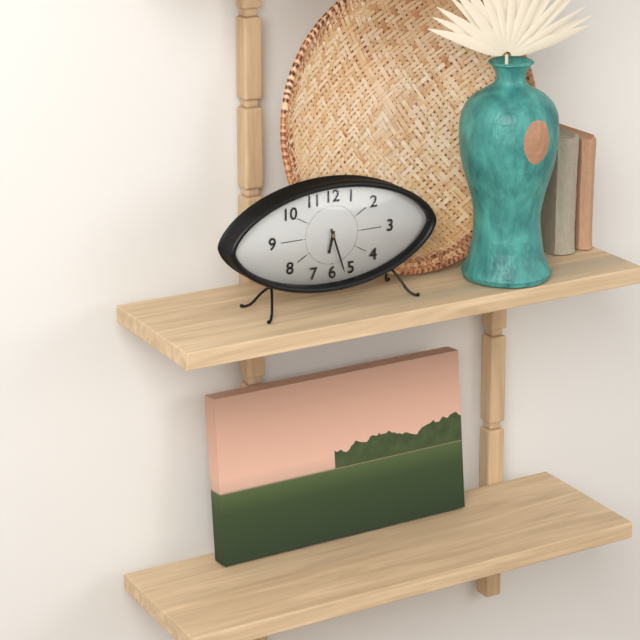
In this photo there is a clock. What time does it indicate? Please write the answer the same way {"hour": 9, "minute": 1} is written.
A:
{"hour": 6, "minute": 27}
